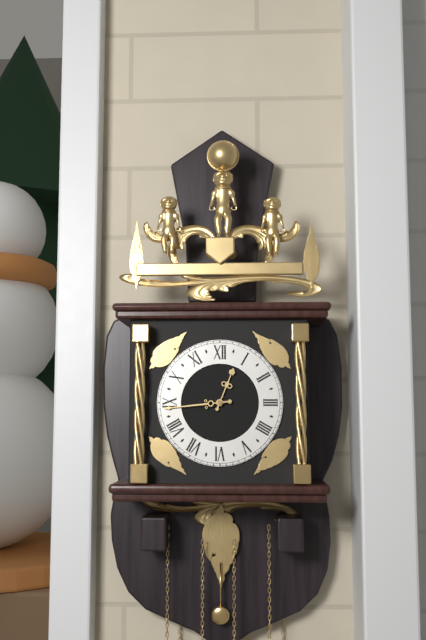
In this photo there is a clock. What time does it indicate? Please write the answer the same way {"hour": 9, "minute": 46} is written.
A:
{"hour": 12, "minute": 44}
